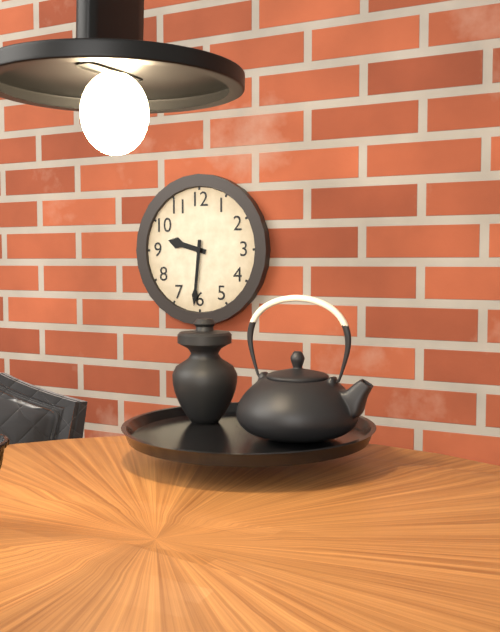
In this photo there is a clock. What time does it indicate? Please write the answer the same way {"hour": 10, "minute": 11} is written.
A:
{"hour": 9, "minute": 31}
